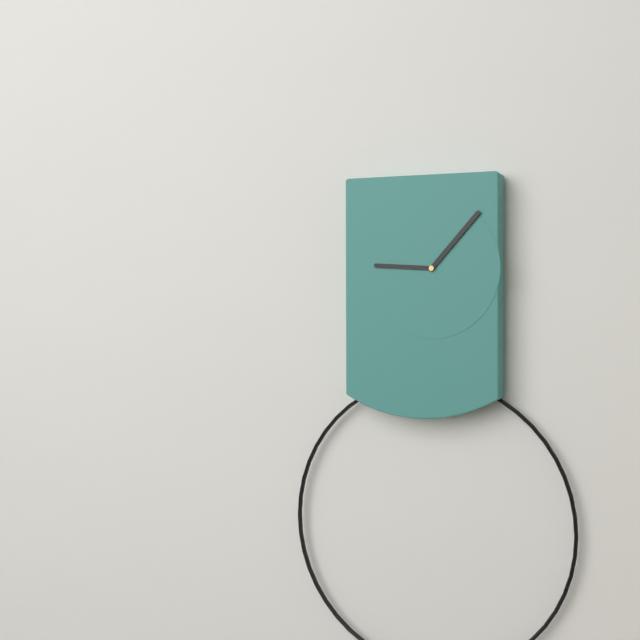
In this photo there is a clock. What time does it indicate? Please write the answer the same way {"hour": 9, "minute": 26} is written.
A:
{"hour": 9, "minute": 7}
